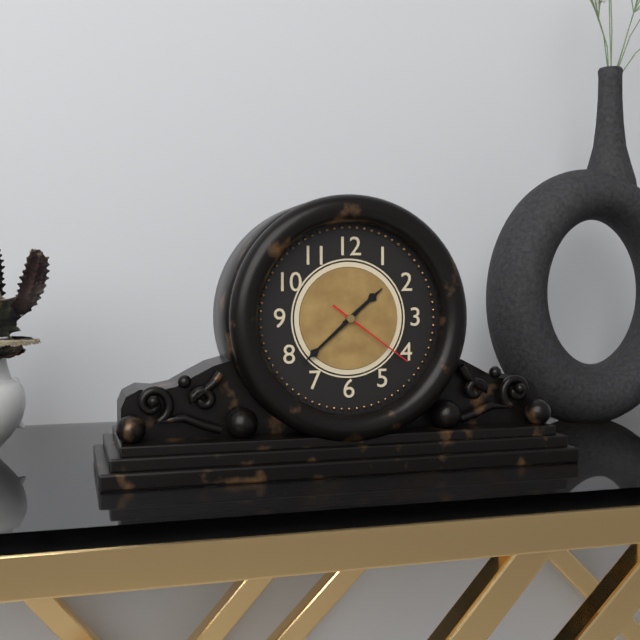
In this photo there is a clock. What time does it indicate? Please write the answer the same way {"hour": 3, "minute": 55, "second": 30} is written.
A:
{"hour": 1, "minute": 38, "second": 21}
